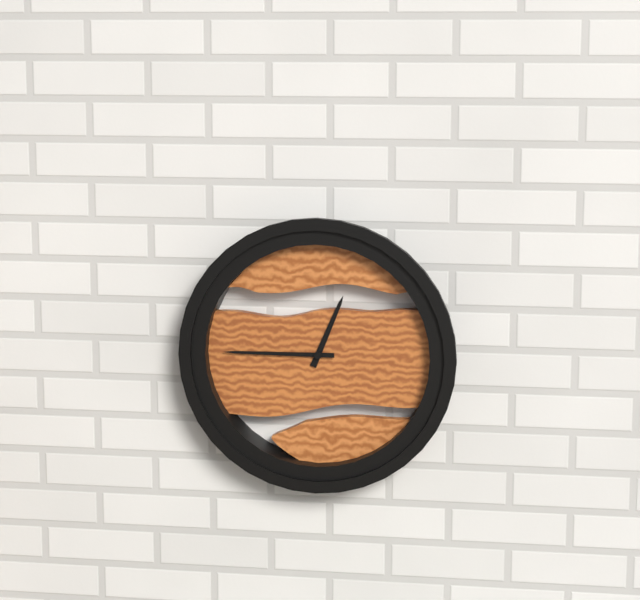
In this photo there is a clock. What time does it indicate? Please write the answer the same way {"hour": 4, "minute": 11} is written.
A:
{"hour": 12, "minute": 45}
